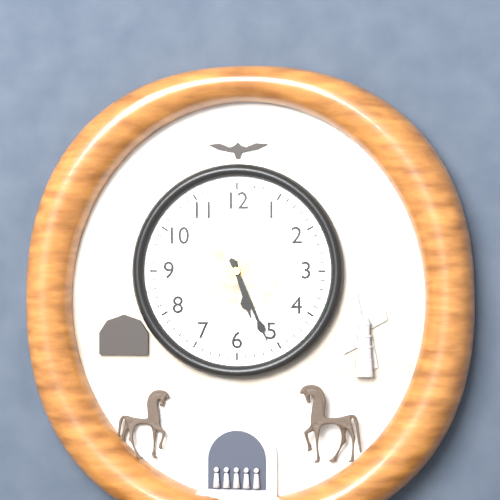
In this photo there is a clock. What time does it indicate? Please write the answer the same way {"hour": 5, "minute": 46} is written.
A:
{"hour": 5, "minute": 26}
